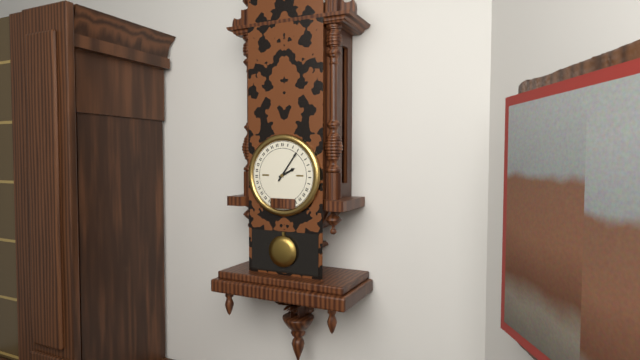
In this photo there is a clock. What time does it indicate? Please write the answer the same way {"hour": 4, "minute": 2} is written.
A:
{"hour": 2, "minute": 6}
